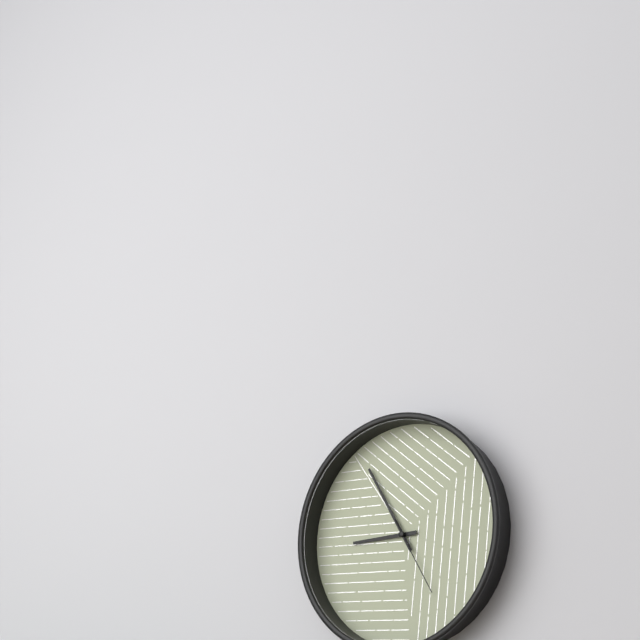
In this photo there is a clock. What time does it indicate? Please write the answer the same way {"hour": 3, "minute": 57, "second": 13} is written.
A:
{"hour": 8, "minute": 55, "second": 25}
